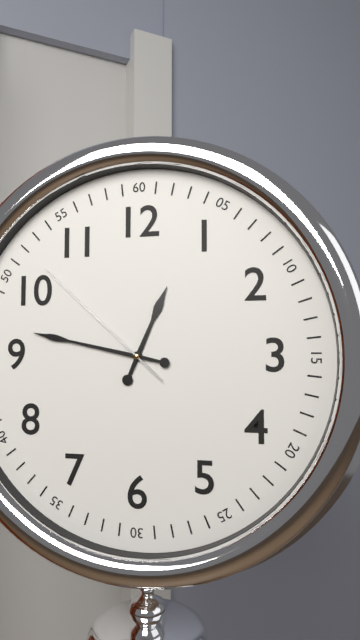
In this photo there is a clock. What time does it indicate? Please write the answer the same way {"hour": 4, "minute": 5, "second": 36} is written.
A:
{"hour": 12, "minute": 47, "second": 52}
